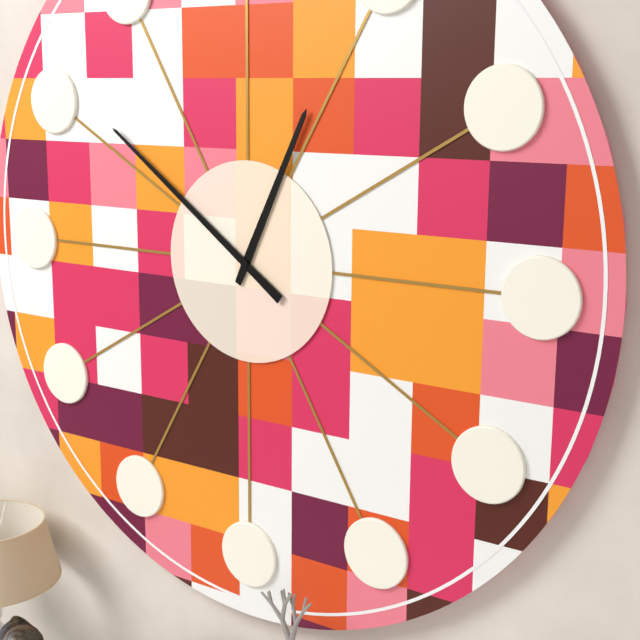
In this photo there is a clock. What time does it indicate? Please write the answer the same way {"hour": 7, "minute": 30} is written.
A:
{"hour": 12, "minute": 51}
